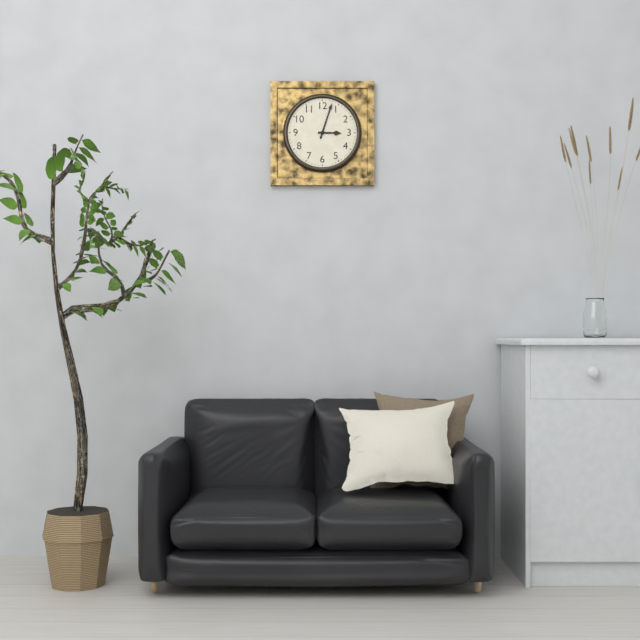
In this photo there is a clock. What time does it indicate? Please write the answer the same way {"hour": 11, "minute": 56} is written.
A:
{"hour": 3, "minute": 3}
